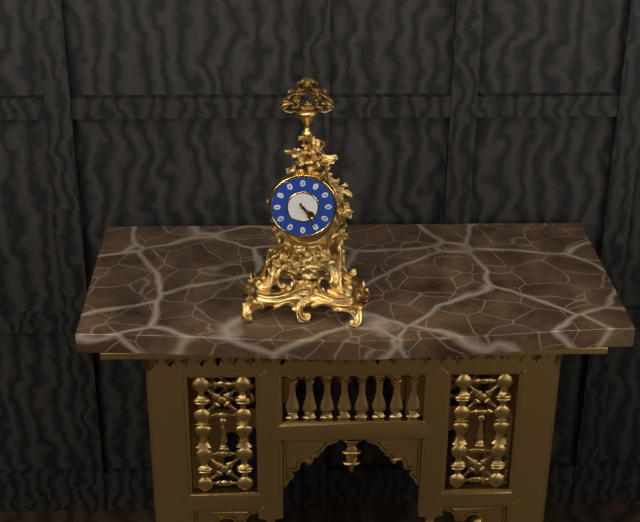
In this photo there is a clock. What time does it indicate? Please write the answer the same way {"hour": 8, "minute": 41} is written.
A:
{"hour": 4, "minute": 25}
